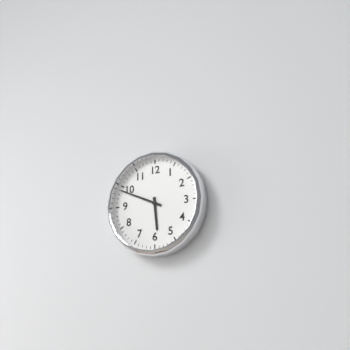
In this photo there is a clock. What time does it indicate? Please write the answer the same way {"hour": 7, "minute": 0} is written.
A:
{"hour": 5, "minute": 49}
